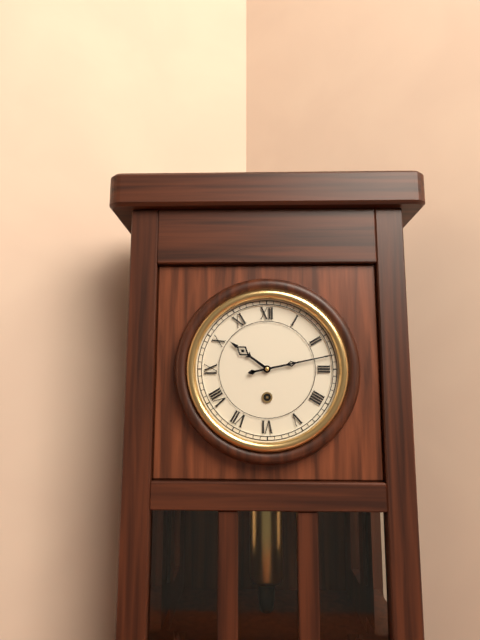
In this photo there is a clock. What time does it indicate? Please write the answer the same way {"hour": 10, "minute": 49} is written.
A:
{"hour": 10, "minute": 13}
